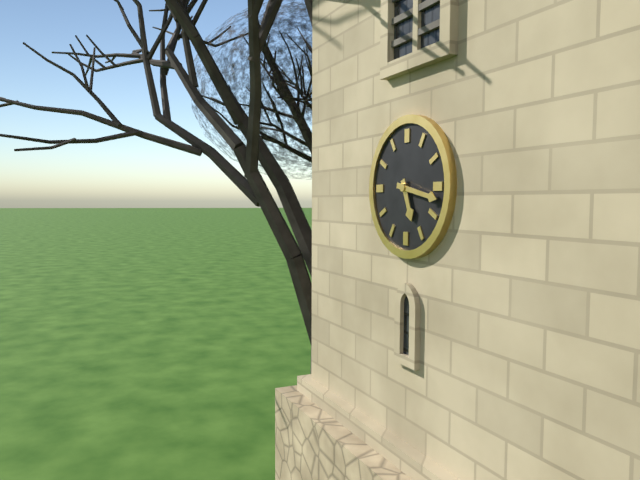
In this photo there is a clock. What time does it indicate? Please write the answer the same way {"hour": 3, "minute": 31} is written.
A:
{"hour": 5, "minute": 17}
